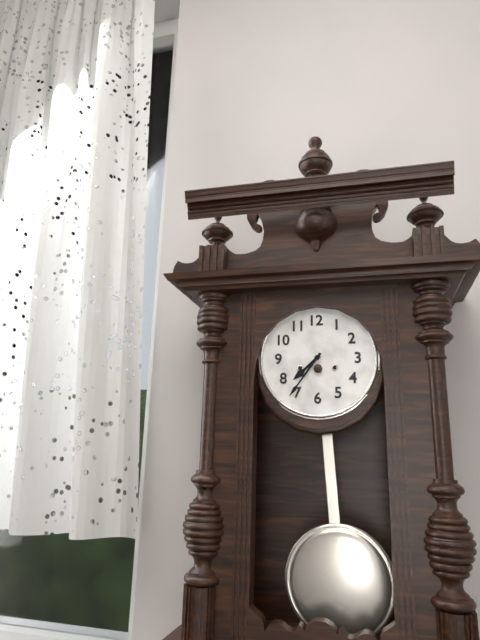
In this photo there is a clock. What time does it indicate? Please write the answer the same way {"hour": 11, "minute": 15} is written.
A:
{"hour": 7, "minute": 36}
